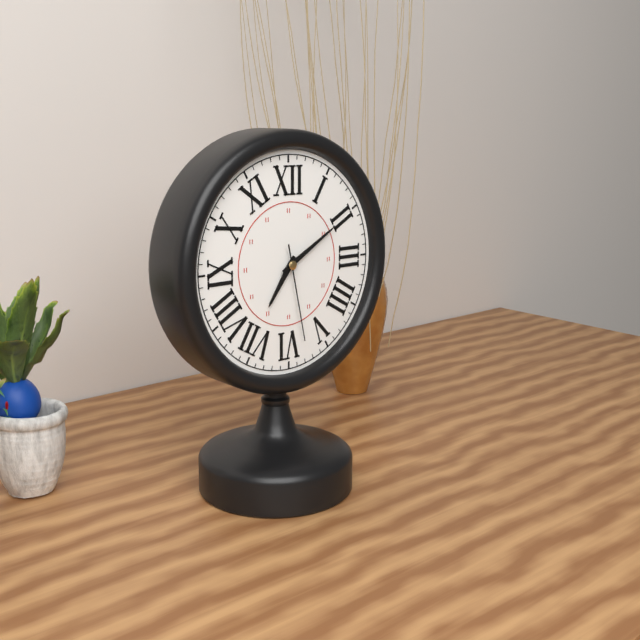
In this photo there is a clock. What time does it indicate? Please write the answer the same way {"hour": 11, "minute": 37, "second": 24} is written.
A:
{"hour": 7, "minute": 10, "second": 28}
